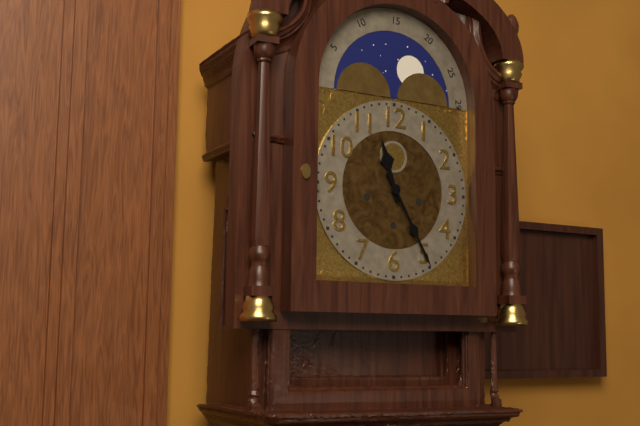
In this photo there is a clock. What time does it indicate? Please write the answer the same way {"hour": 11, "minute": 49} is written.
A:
{"hour": 11, "minute": 25}
